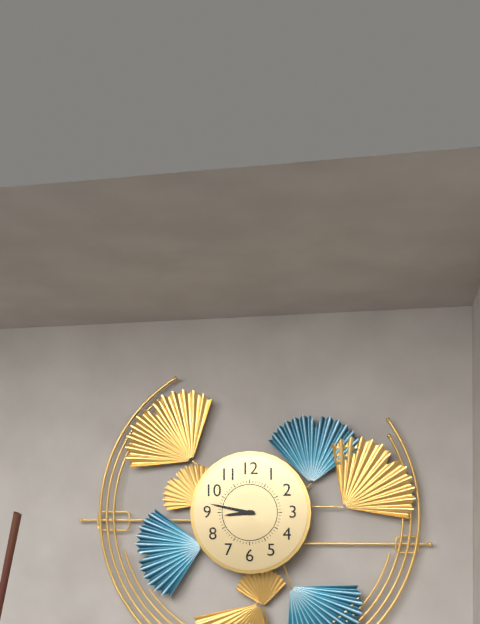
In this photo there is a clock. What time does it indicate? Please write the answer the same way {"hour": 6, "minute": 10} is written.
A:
{"hour": 8, "minute": 47}
